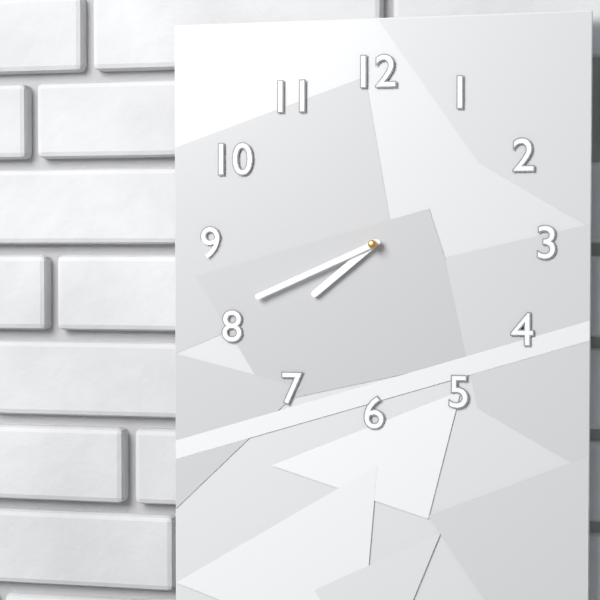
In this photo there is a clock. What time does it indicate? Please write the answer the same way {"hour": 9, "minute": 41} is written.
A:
{"hour": 7, "minute": 41}
